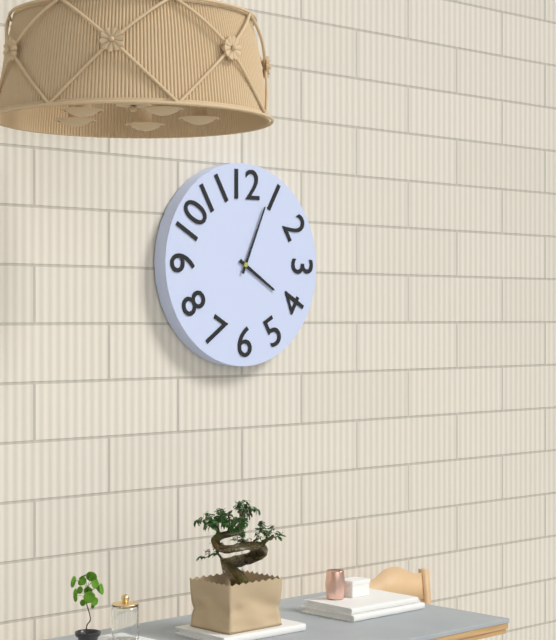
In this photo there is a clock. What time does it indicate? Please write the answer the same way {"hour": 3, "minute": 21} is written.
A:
{"hour": 4, "minute": 4}
